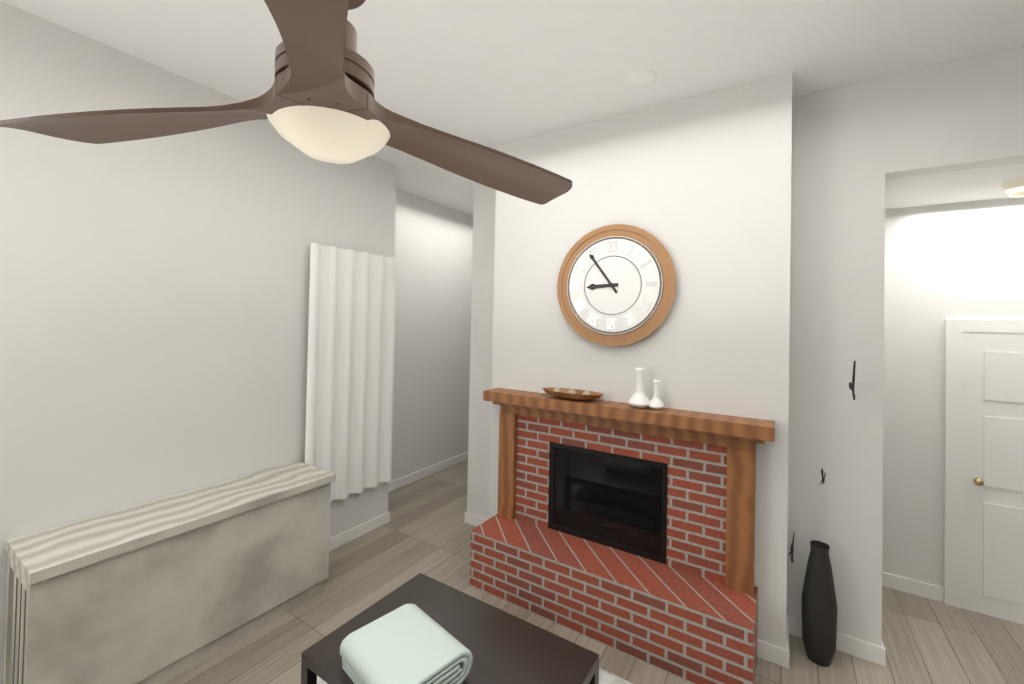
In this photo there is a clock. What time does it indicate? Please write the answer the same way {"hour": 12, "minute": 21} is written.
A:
{"hour": 8, "minute": 54}
